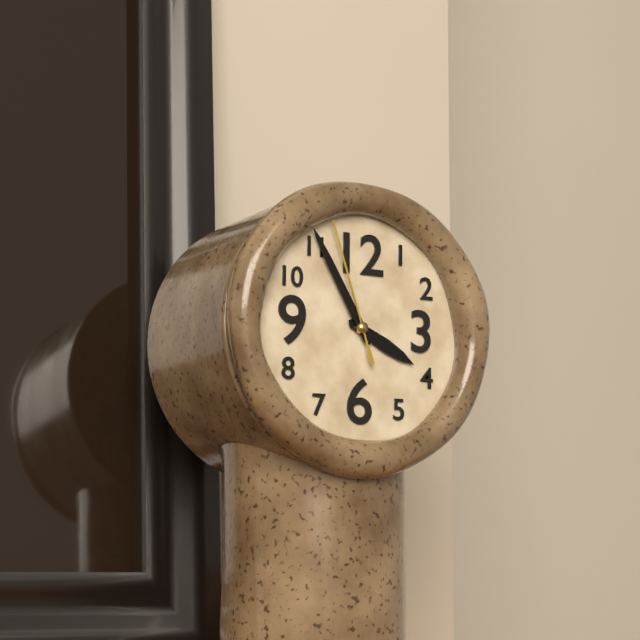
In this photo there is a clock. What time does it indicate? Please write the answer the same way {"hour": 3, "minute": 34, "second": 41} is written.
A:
{"hour": 3, "minute": 55, "second": 57}
